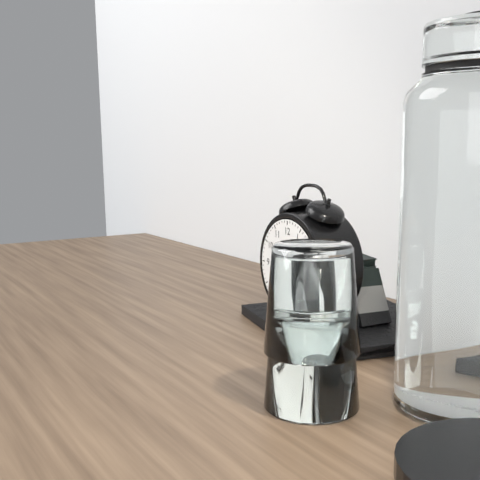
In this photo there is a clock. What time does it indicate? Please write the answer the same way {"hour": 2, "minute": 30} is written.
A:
{"hour": 12, "minute": 31}
